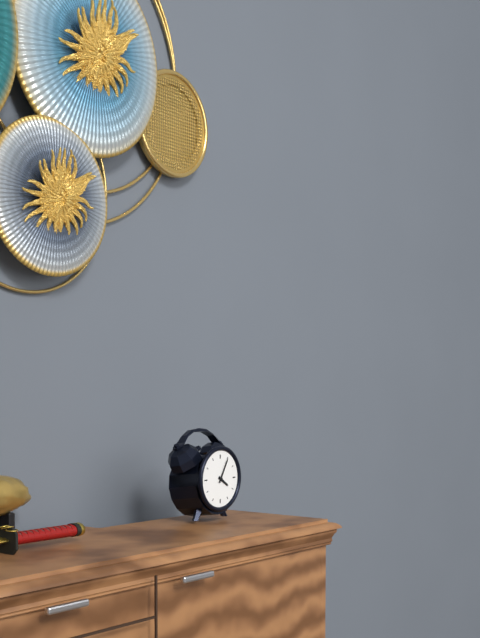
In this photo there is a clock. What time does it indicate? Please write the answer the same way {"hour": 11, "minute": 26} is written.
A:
{"hour": 4, "minute": 5}
